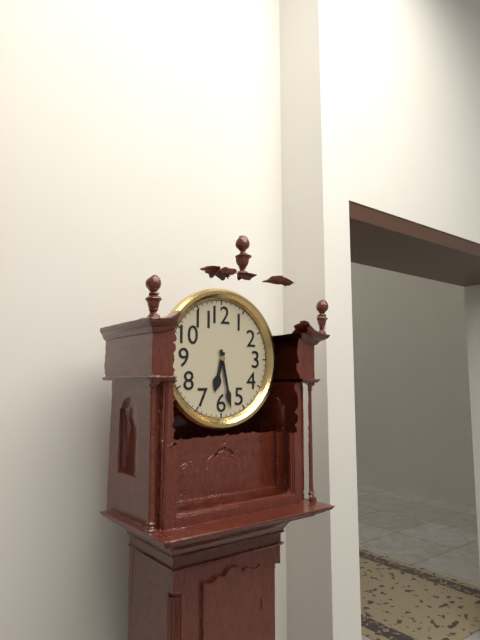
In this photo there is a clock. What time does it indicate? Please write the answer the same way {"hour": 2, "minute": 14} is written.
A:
{"hour": 6, "minute": 28}
